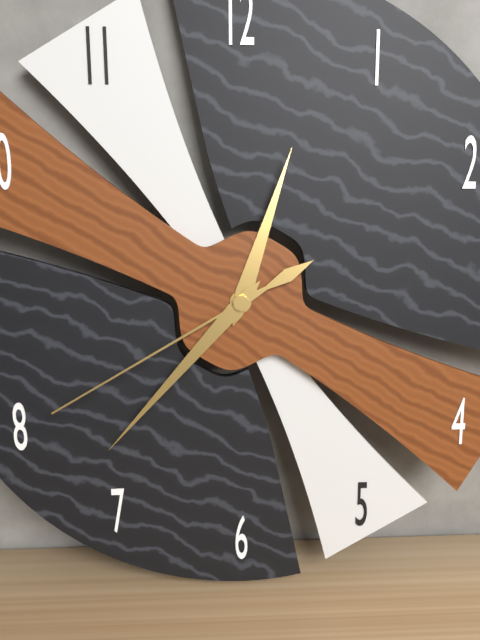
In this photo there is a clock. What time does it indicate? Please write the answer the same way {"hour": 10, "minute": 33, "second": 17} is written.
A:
{"hour": 12, "minute": 37, "second": 40}
